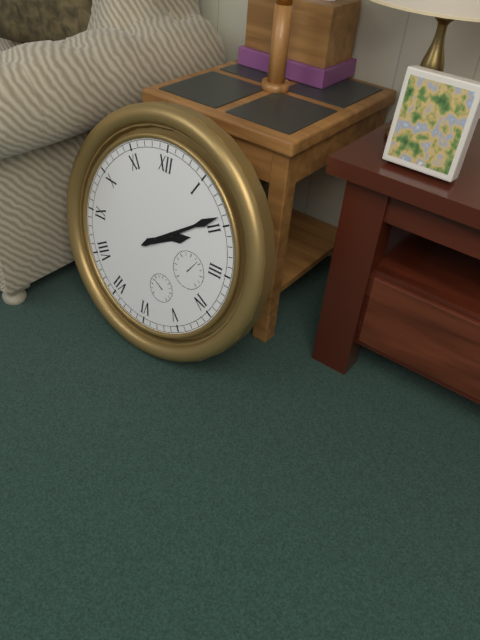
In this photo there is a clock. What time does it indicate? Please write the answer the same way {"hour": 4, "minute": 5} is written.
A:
{"hour": 2, "minute": 9}
